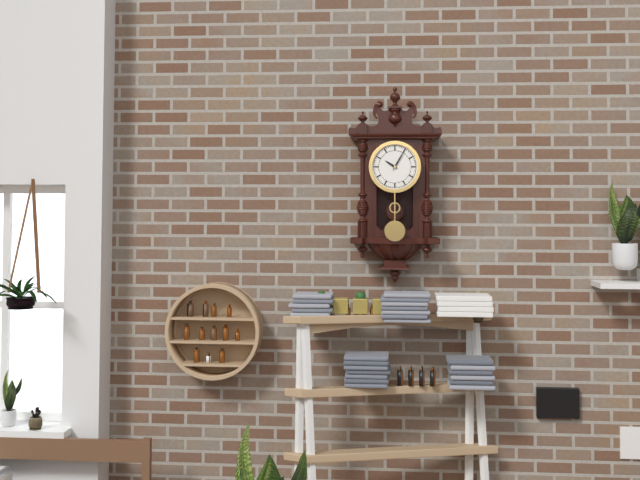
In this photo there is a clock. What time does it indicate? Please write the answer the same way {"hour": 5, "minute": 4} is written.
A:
{"hour": 10, "minute": 5}
